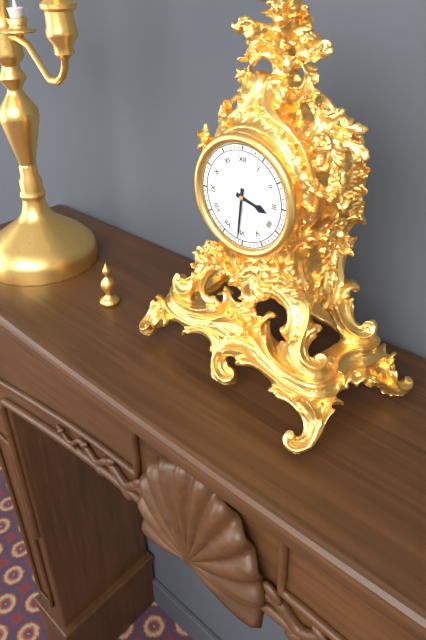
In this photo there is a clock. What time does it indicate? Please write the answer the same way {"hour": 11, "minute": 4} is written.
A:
{"hour": 3, "minute": 31}
